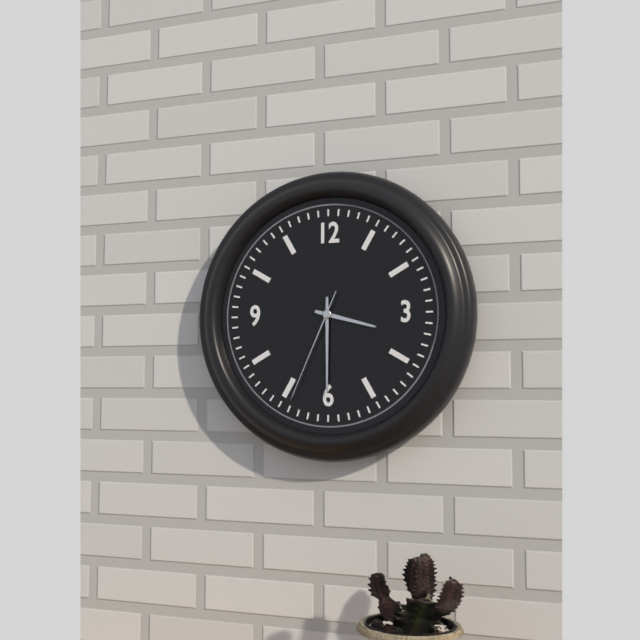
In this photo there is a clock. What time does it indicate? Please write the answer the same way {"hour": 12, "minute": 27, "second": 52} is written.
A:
{"hour": 3, "minute": 30, "second": 34}
